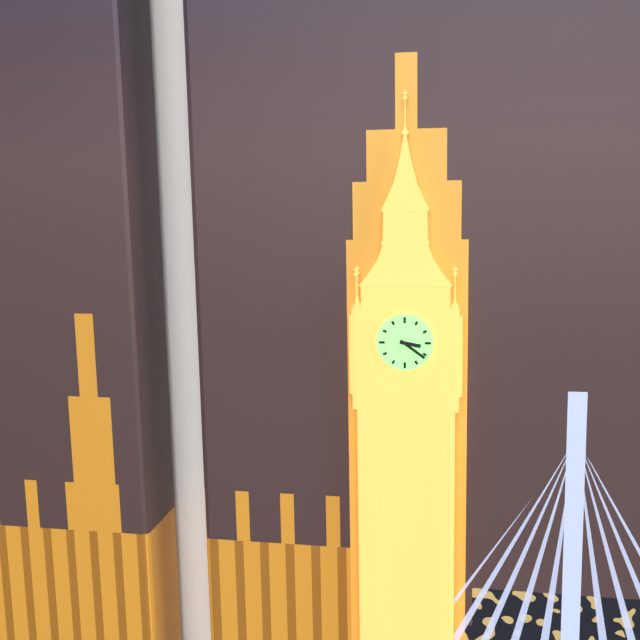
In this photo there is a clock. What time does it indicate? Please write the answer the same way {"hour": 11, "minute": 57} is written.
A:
{"hour": 3, "minute": 21}
